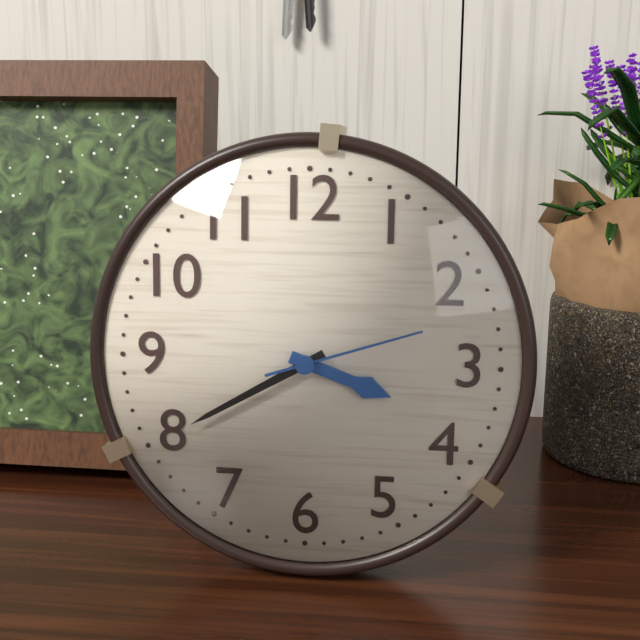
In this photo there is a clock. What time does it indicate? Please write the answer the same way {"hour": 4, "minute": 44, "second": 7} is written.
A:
{"hour": 3, "minute": 40, "second": 12}
